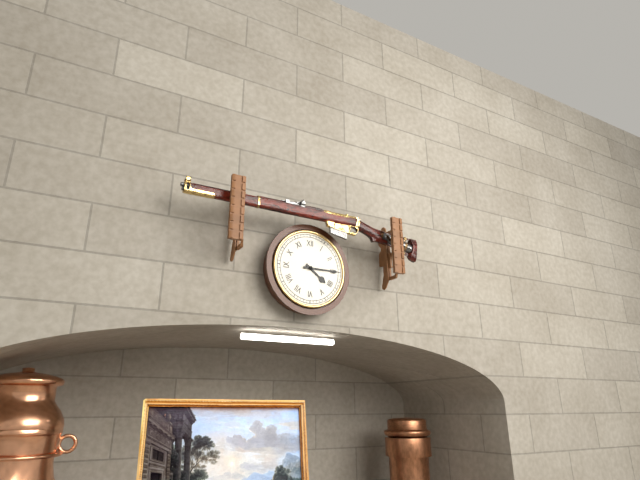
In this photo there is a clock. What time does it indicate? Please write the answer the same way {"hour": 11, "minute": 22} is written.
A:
{"hour": 4, "minute": 15}
